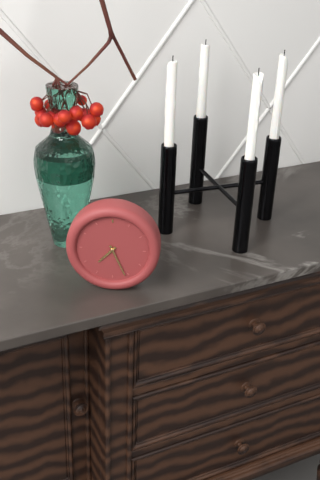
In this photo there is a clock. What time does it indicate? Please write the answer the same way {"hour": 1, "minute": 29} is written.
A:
{"hour": 7, "minute": 26}
